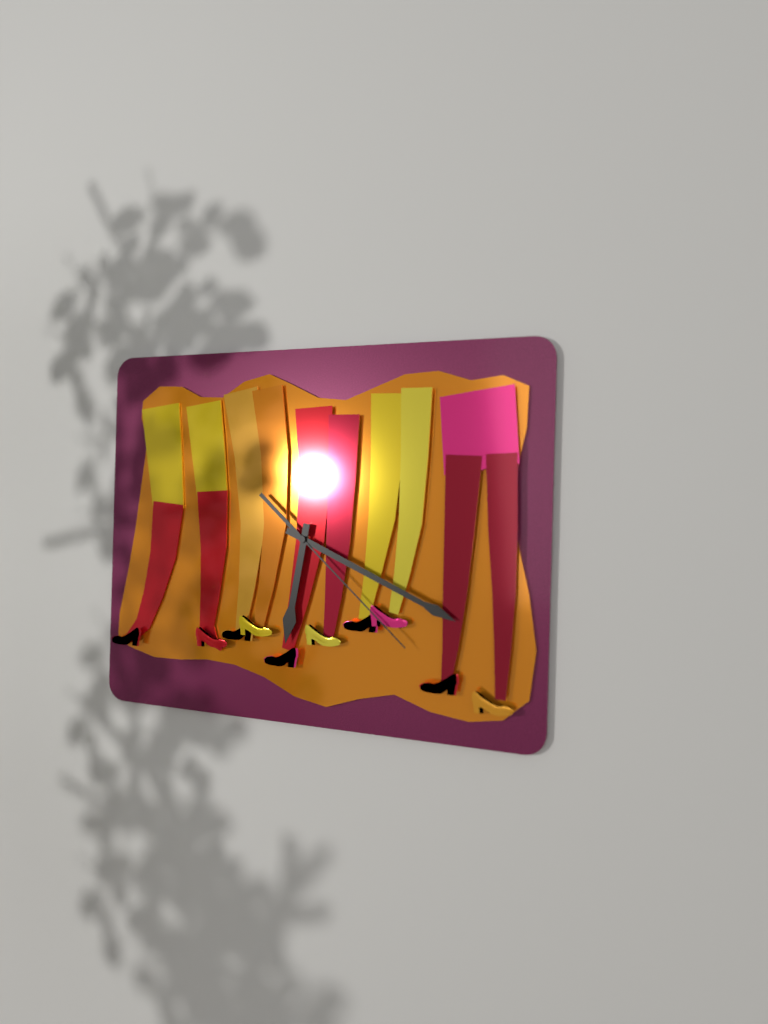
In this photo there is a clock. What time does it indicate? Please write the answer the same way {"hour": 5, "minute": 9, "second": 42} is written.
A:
{"hour": 6, "minute": 19, "second": 22}
